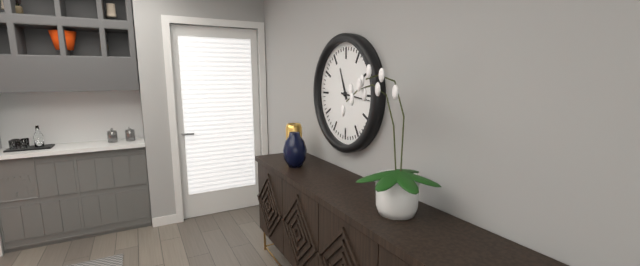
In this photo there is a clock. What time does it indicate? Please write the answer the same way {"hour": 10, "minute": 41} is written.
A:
{"hour": 11, "minute": 16}
